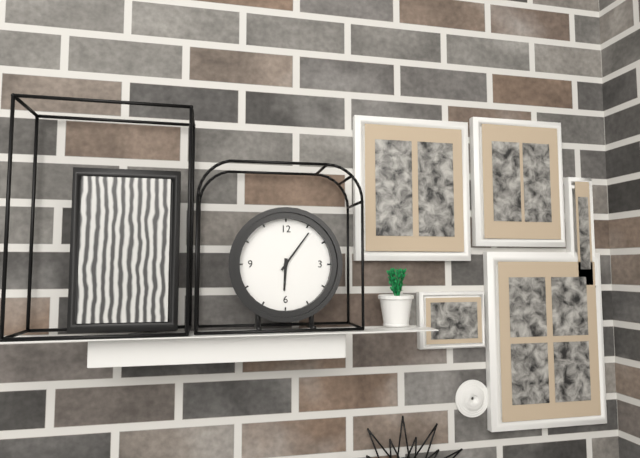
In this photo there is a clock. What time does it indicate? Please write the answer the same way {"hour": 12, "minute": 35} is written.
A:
{"hour": 6, "minute": 6}
